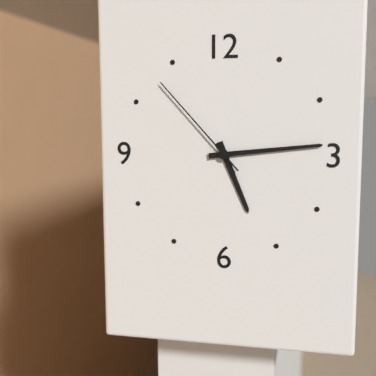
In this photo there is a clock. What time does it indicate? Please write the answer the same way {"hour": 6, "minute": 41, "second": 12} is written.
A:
{"hour": 5, "minute": 14, "second": 53}
